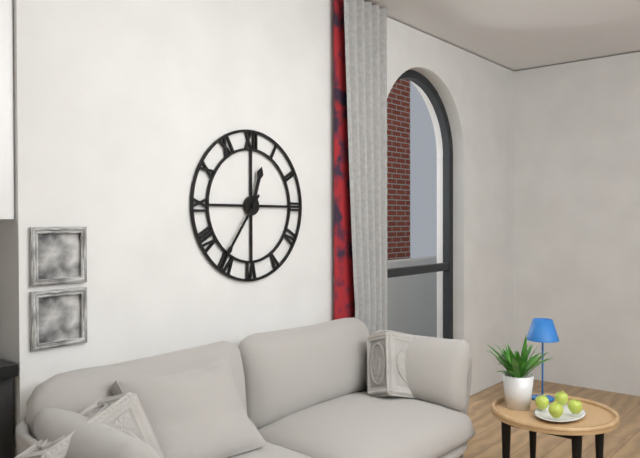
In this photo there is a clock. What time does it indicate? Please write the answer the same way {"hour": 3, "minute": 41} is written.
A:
{"hour": 12, "minute": 36}
